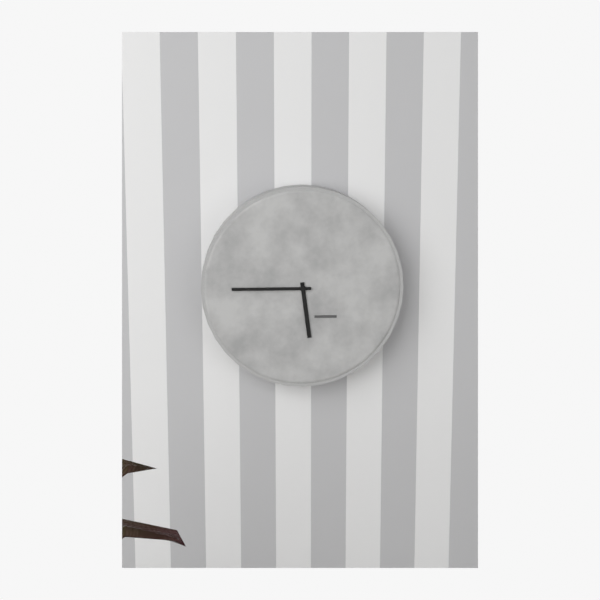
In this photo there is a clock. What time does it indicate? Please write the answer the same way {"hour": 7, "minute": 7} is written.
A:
{"hour": 5, "minute": 45}
